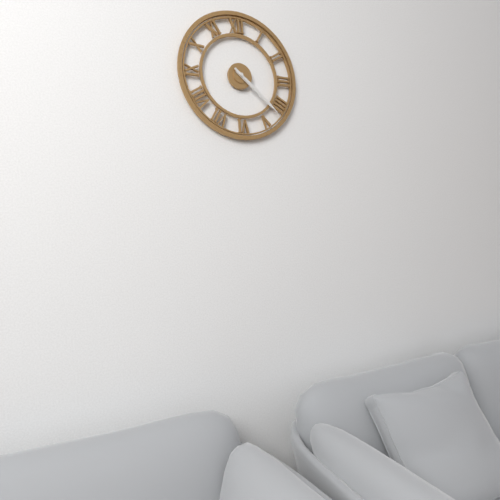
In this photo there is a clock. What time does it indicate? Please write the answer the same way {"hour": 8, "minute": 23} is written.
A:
{"hour": 4, "minute": 22}
